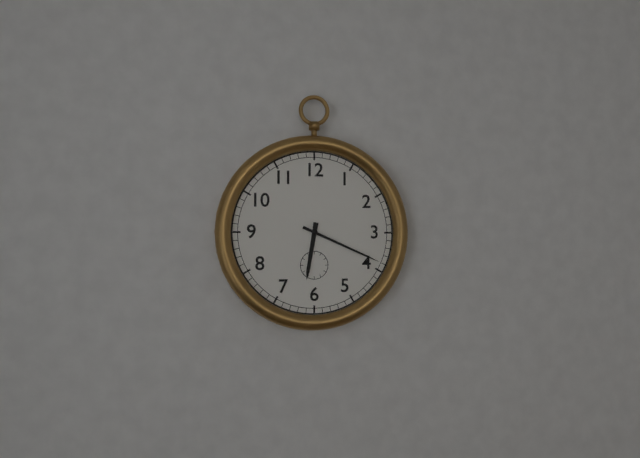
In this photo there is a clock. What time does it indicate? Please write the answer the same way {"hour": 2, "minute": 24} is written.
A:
{"hour": 6, "minute": 19}
